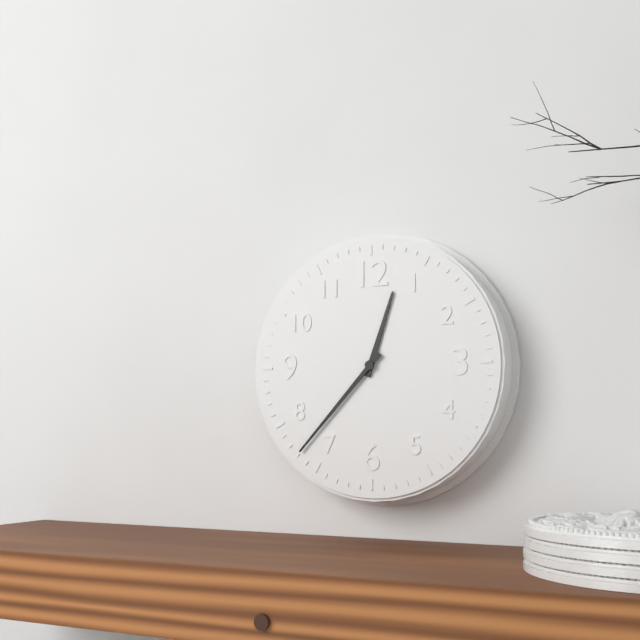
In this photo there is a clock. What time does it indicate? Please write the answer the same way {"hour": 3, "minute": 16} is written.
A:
{"hour": 12, "minute": 37}
